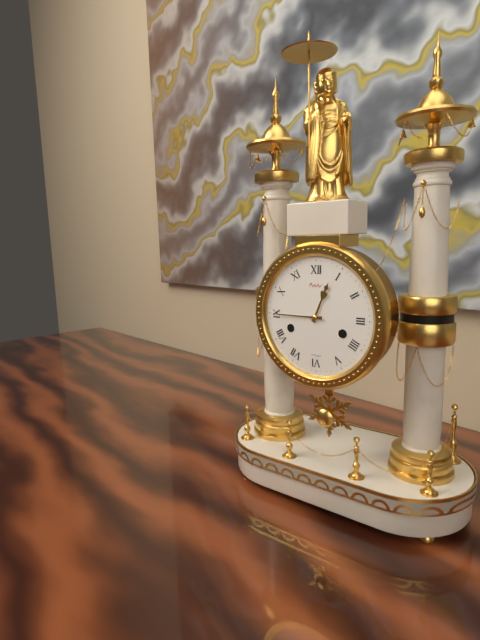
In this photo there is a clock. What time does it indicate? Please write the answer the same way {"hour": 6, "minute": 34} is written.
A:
{"hour": 12, "minute": 45}
